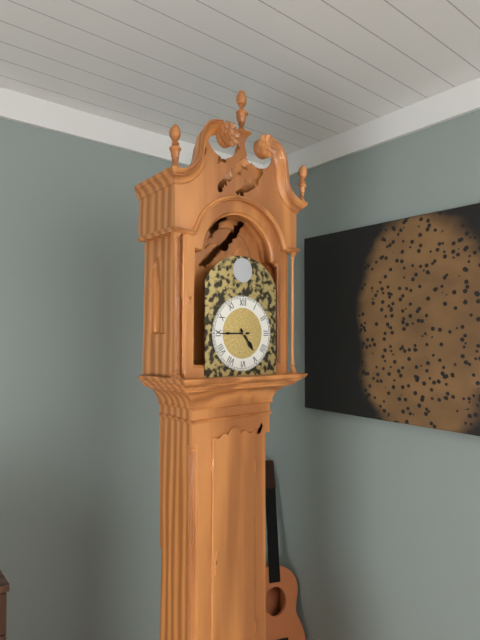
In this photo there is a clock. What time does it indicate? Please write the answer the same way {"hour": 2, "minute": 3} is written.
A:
{"hour": 4, "minute": 45}
